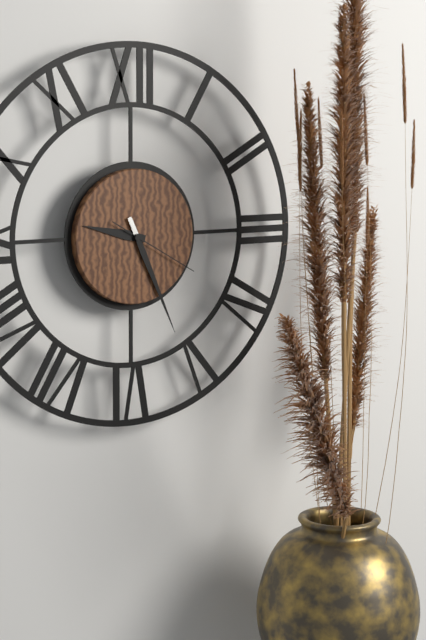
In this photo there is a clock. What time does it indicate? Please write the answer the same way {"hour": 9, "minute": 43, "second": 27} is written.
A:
{"hour": 9, "minute": 26, "second": 20}
